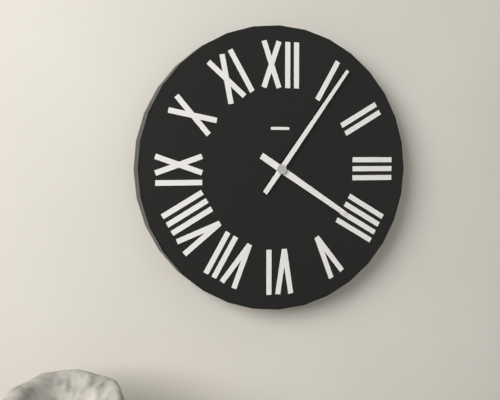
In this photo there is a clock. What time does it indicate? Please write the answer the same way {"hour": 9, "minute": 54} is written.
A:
{"hour": 4, "minute": 6}
